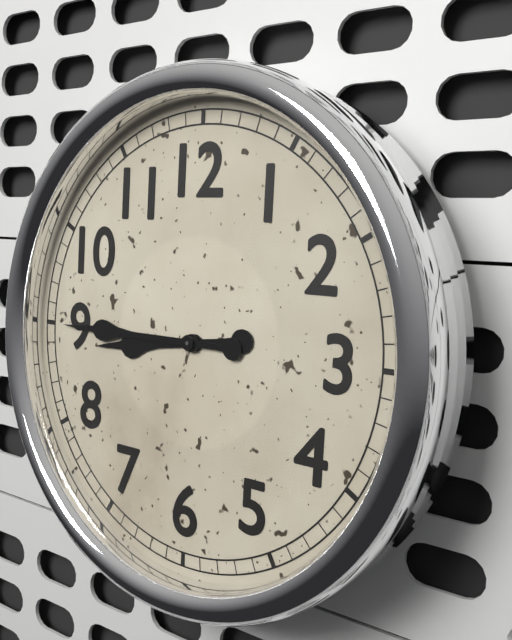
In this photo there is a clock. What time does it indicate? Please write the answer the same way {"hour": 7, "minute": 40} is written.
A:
{"hour": 8, "minute": 45}
